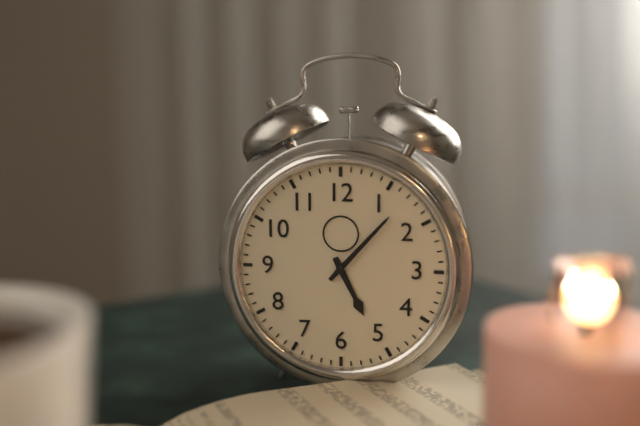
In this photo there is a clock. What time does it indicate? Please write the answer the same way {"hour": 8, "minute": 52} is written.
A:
{"hour": 5, "minute": 7}
